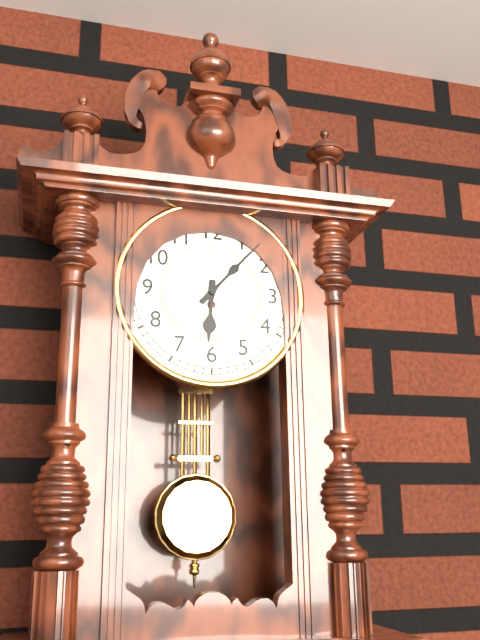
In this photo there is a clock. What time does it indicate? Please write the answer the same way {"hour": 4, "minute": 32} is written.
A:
{"hour": 6, "minute": 7}
